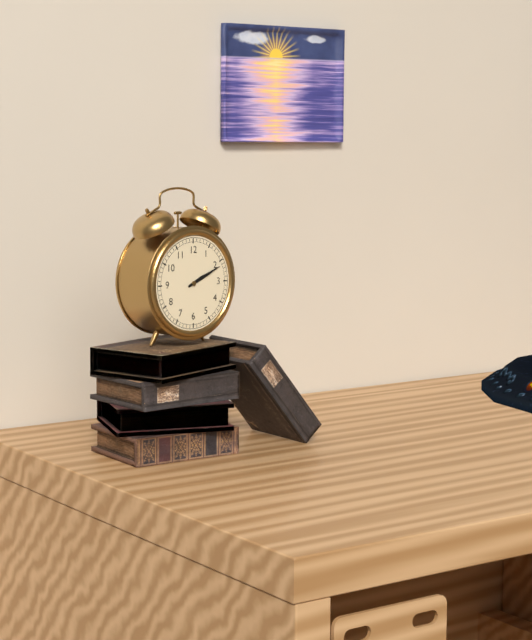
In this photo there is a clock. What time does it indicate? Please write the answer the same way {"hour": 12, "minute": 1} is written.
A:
{"hour": 2, "minute": 11}
